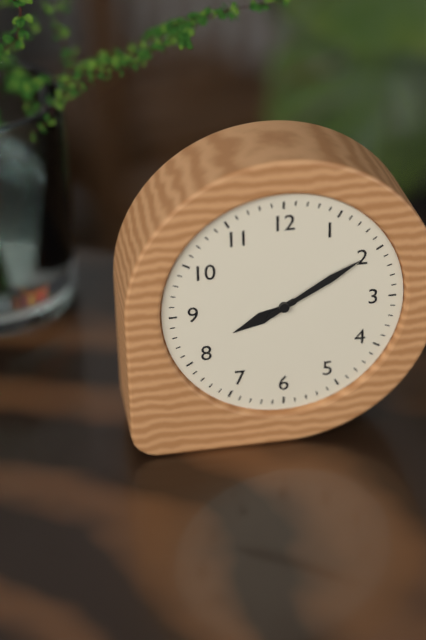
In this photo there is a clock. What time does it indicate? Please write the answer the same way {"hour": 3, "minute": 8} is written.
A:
{"hour": 8, "minute": 10}
